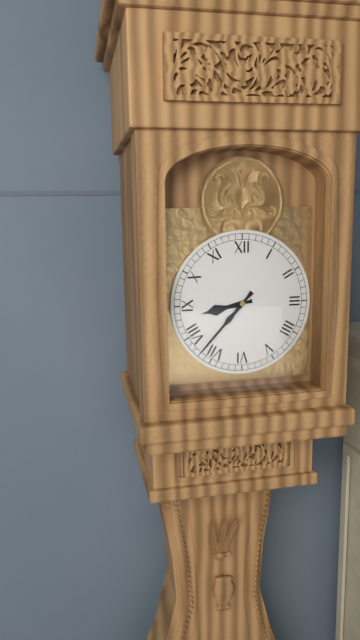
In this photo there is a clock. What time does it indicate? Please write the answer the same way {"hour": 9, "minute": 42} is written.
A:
{"hour": 8, "minute": 37}
